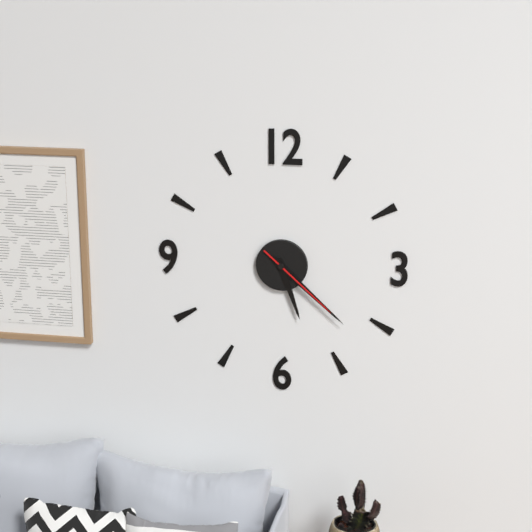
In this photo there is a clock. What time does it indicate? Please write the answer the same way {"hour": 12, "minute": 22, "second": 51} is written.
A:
{"hour": 5, "minute": 22, "second": 22}
